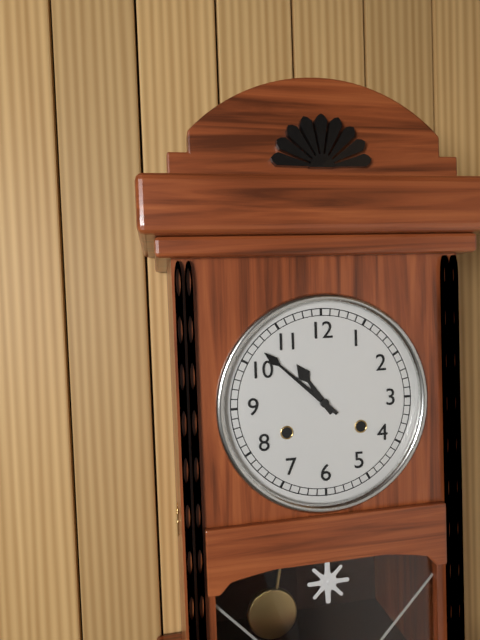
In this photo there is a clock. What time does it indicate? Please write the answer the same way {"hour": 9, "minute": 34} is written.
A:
{"hour": 10, "minute": 52}
